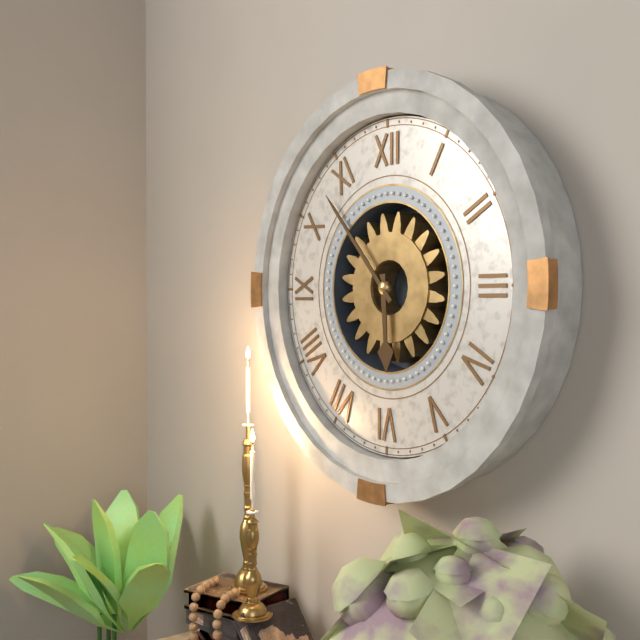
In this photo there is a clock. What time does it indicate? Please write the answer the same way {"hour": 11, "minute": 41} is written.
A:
{"hour": 5, "minute": 53}
